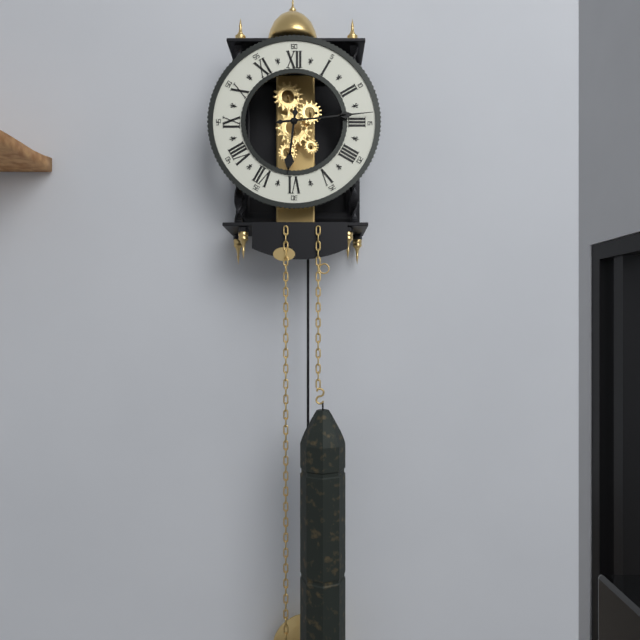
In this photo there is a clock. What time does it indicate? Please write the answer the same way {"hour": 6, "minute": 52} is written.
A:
{"hour": 6, "minute": 14}
